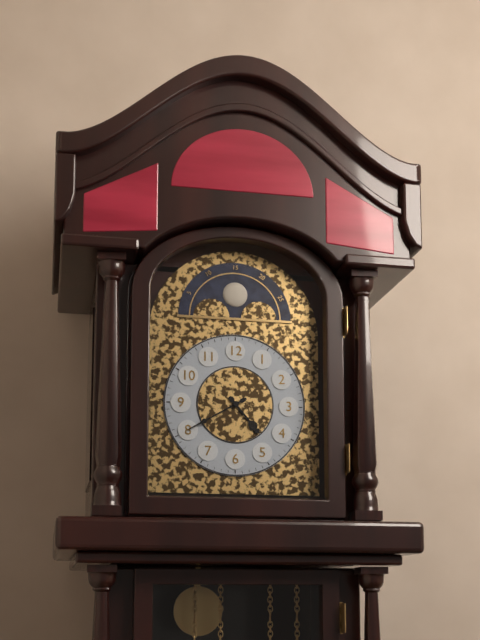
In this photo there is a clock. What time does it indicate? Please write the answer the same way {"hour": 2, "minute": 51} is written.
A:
{"hour": 4, "minute": 40}
